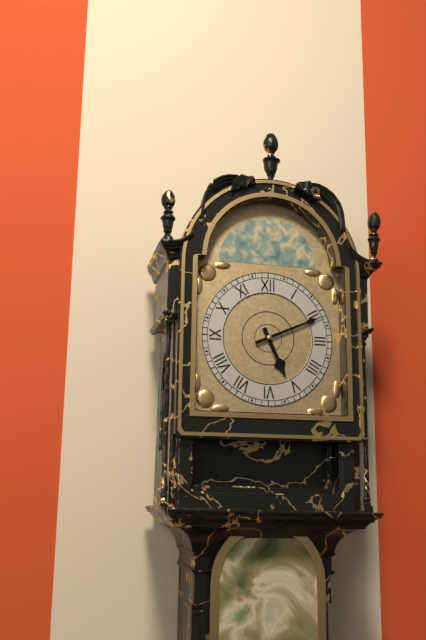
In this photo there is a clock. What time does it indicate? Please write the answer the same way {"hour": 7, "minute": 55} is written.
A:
{"hour": 5, "minute": 11}
